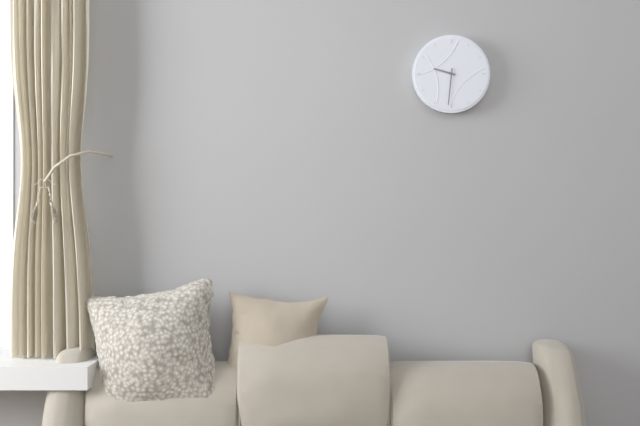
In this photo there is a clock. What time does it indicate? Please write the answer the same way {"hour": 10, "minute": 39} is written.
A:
{"hour": 9, "minute": 31}
